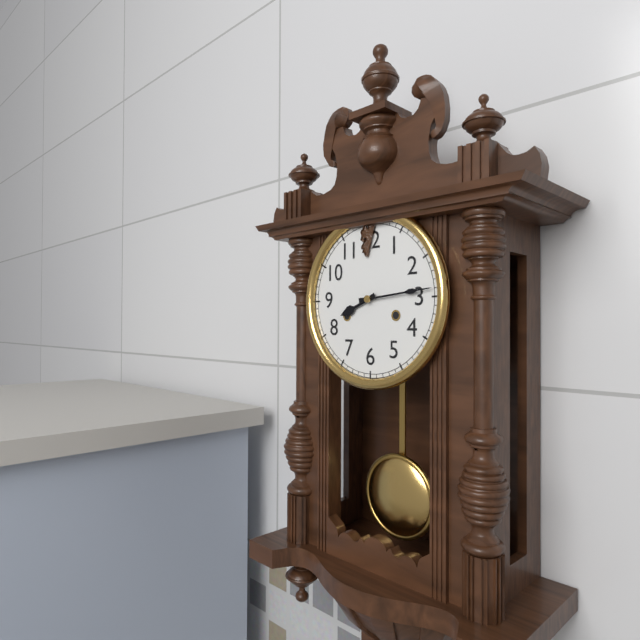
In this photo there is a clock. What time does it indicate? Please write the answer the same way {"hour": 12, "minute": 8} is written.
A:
{"hour": 8, "minute": 14}
